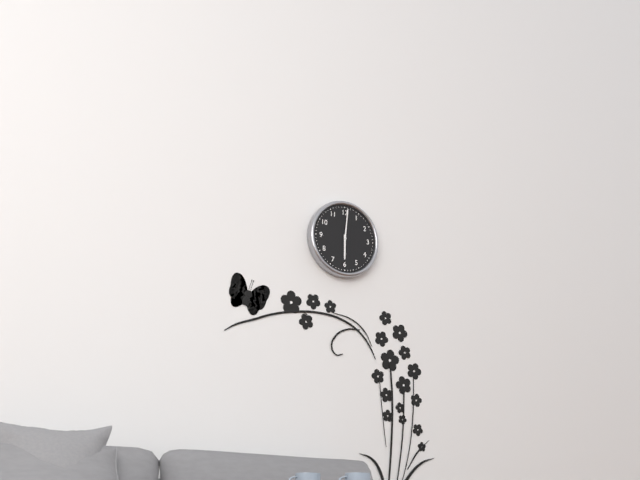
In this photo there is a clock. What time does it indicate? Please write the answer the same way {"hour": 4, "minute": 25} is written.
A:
{"hour": 6, "minute": 1}
